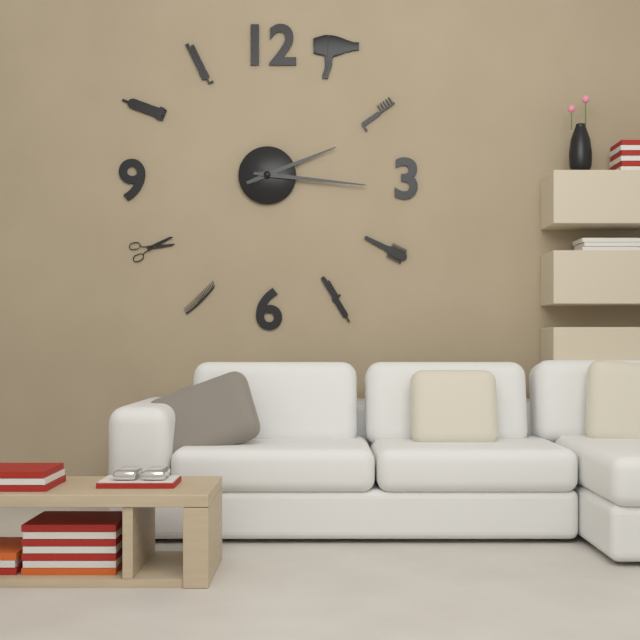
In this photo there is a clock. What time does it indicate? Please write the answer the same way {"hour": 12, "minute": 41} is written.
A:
{"hour": 2, "minute": 16}
